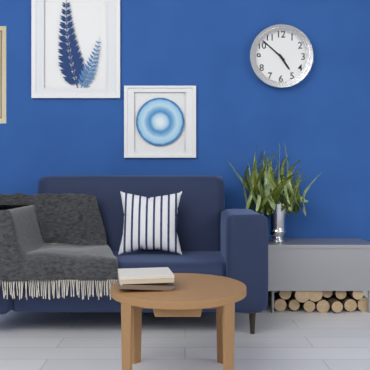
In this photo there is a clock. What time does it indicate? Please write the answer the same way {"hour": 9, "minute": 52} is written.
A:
{"hour": 4, "minute": 52}
